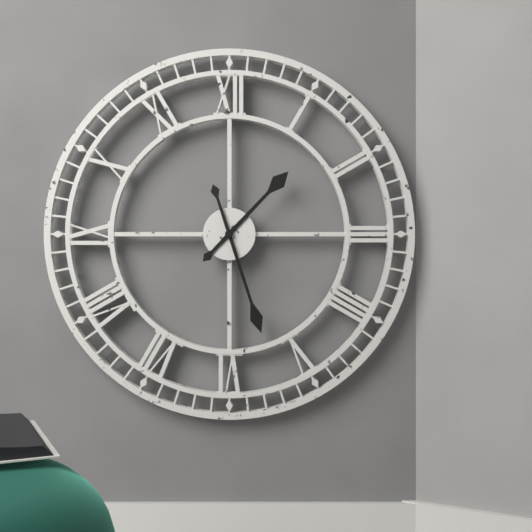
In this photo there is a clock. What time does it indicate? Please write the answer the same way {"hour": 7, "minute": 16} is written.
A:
{"hour": 1, "minute": 27}
